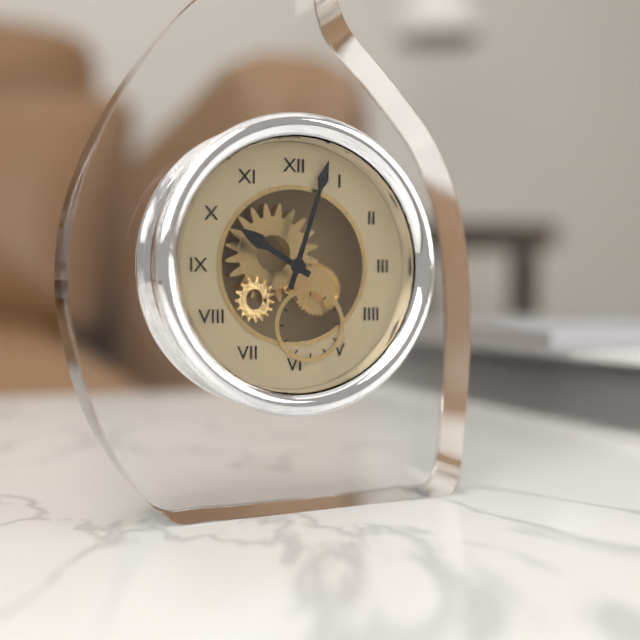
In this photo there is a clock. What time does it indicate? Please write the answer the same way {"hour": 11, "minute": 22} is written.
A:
{"hour": 10, "minute": 3}
